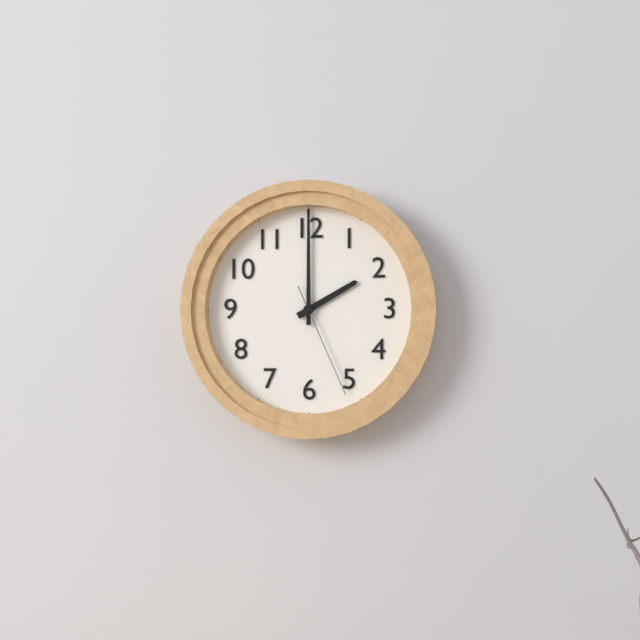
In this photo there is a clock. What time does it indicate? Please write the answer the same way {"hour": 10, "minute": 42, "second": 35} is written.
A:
{"hour": 2, "minute": 0, "second": 26}
